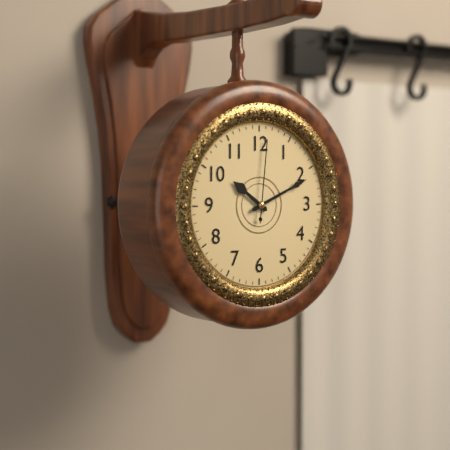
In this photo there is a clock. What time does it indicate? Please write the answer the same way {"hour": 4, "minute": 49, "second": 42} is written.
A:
{"hour": 10, "minute": 11, "second": 1}
